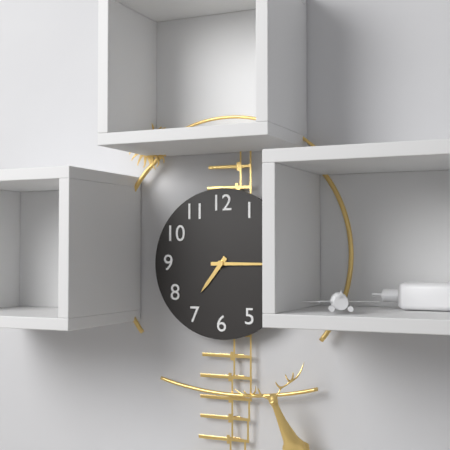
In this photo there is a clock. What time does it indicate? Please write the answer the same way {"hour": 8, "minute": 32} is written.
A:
{"hour": 7, "minute": 15}
